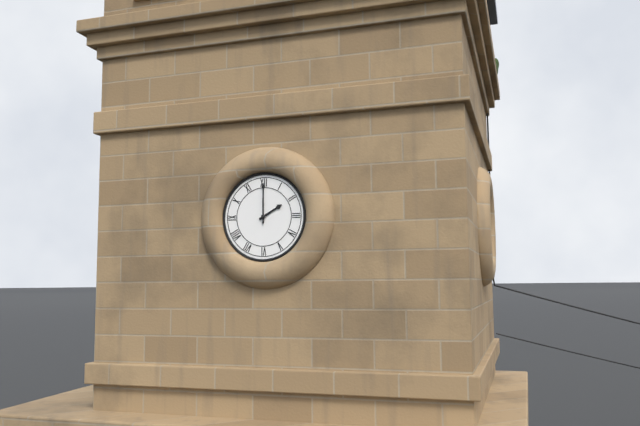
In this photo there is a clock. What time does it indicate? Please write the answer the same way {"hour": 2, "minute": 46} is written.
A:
{"hour": 2, "minute": 0}
